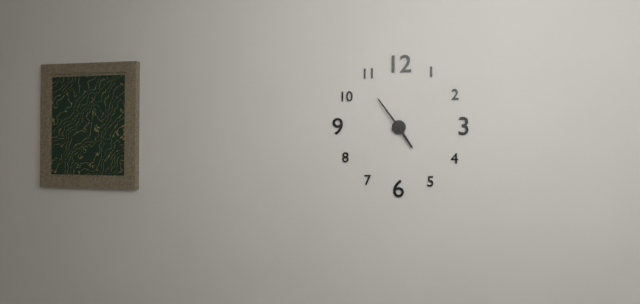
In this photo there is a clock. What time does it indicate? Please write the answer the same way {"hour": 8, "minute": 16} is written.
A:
{"hour": 4, "minute": 54}
